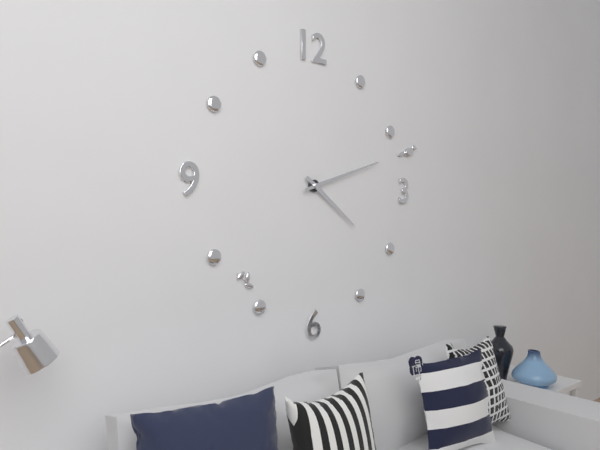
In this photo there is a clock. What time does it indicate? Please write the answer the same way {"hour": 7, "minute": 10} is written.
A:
{"hour": 4, "minute": 12}
